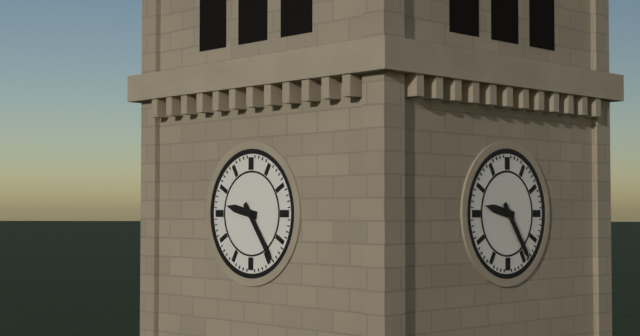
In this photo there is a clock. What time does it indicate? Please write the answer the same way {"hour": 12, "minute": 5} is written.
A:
{"hour": 9, "minute": 24}
